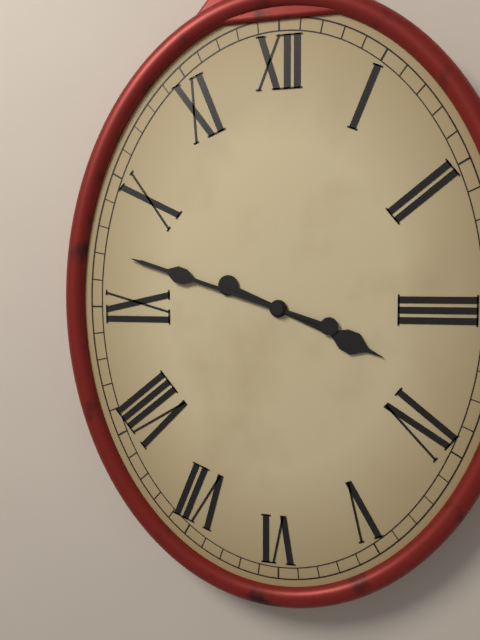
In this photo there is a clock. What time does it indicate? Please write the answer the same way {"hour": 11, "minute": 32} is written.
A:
{"hour": 3, "minute": 48}
